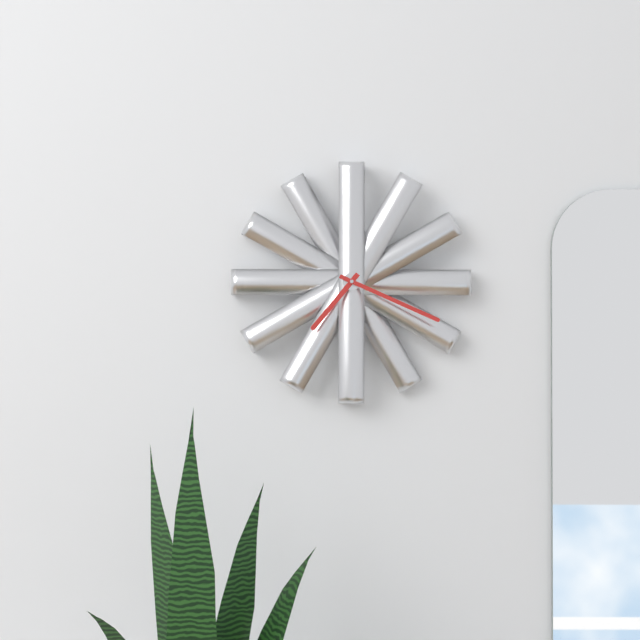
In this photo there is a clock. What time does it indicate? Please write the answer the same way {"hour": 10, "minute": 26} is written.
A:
{"hour": 7, "minute": 19}
